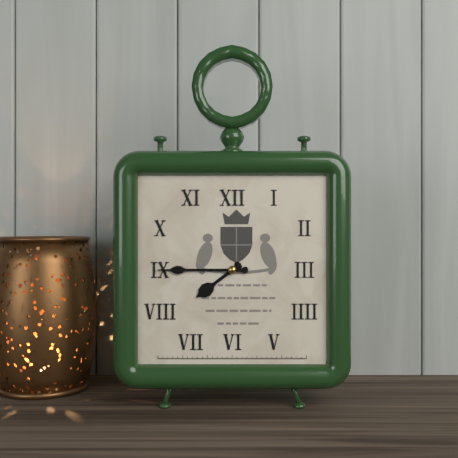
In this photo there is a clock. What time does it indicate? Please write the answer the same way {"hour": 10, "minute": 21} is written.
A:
{"hour": 7, "minute": 45}
